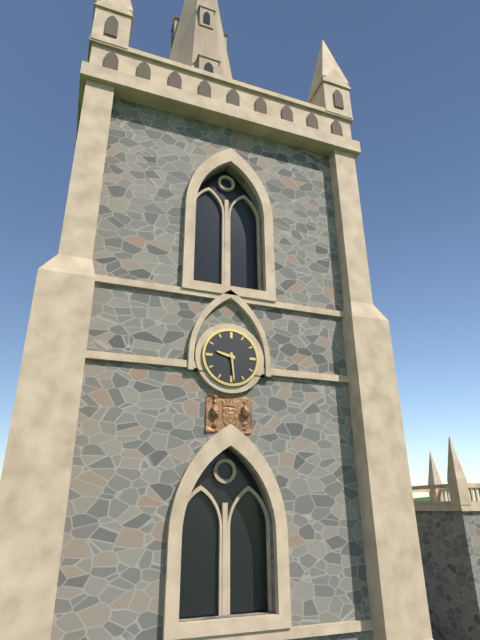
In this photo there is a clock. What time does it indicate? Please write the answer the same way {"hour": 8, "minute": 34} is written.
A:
{"hour": 9, "minute": 29}
